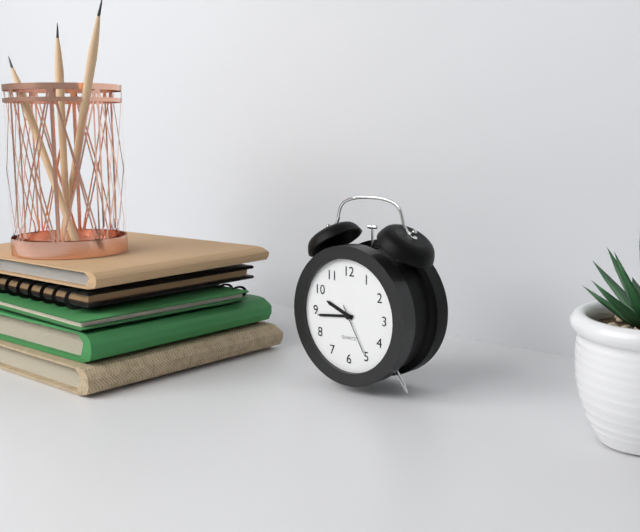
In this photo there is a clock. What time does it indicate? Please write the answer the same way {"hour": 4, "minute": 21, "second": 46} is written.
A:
{"hour": 9, "minute": 44, "second": 25}
